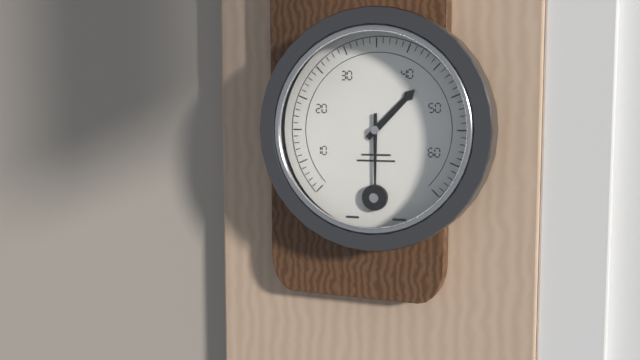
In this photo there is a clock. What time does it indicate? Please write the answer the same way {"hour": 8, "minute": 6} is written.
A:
{"hour": 1, "minute": 30}
